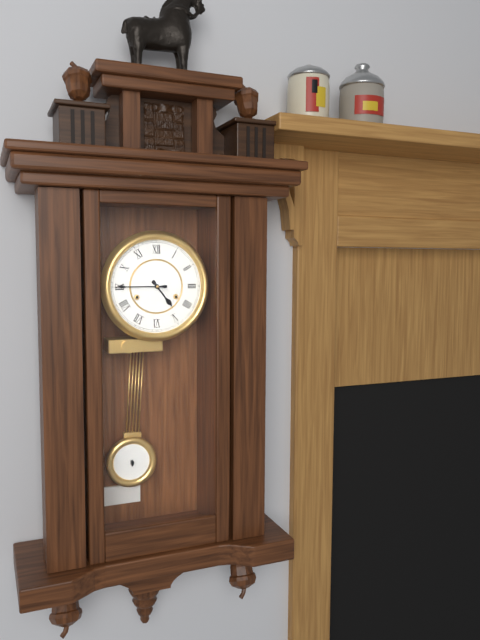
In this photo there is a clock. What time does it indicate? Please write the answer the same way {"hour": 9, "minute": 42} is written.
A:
{"hour": 4, "minute": 45}
